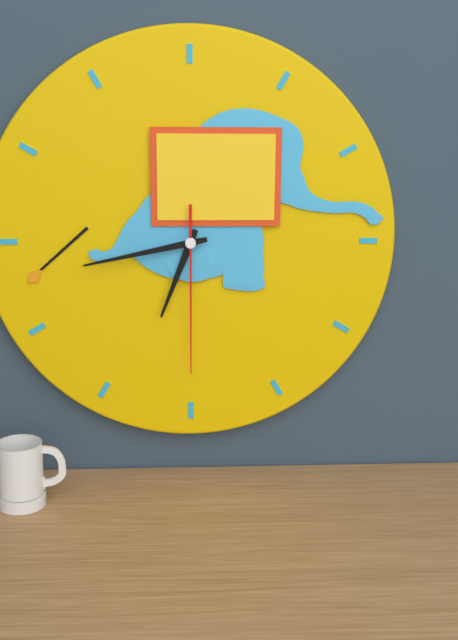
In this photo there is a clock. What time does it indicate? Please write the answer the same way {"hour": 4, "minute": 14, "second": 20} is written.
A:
{"hour": 6, "minute": 43, "second": 30}
